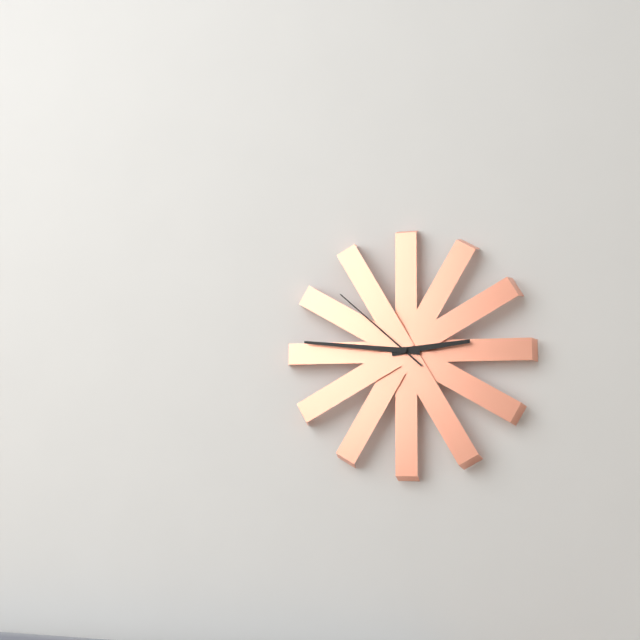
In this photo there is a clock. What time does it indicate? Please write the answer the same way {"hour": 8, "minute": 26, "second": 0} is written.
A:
{"hour": 2, "minute": 46, "second": 52}
